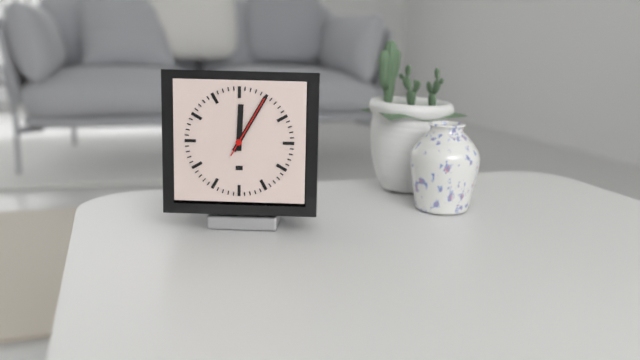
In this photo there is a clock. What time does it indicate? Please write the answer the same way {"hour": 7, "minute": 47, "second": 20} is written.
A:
{"hour": 12, "minute": 5, "second": 5}
